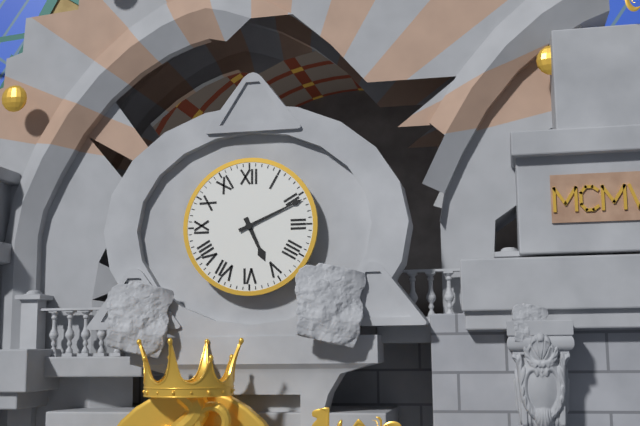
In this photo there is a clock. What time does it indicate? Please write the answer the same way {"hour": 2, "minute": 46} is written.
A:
{"hour": 5, "minute": 11}
